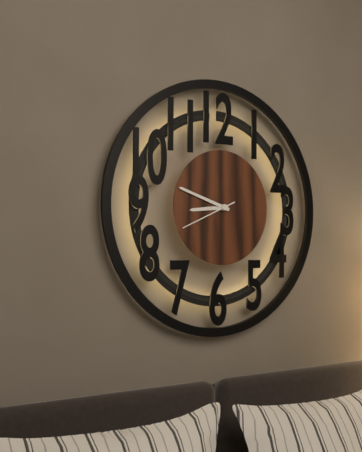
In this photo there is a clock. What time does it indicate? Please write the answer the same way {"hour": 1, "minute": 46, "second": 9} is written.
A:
{"hour": 8, "minute": 48, "second": 41}
